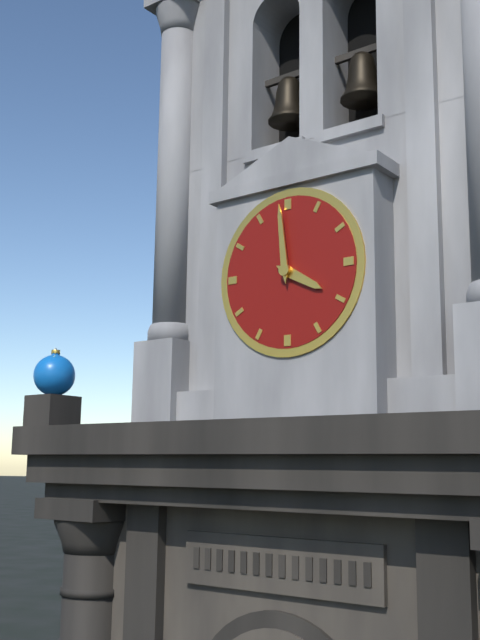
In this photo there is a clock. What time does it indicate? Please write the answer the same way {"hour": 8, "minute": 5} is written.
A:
{"hour": 3, "minute": 59}
